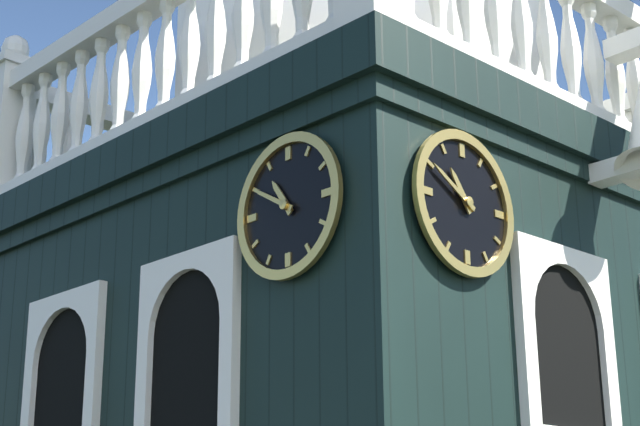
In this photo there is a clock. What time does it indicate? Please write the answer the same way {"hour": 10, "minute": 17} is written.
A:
{"hour": 10, "minute": 50}
